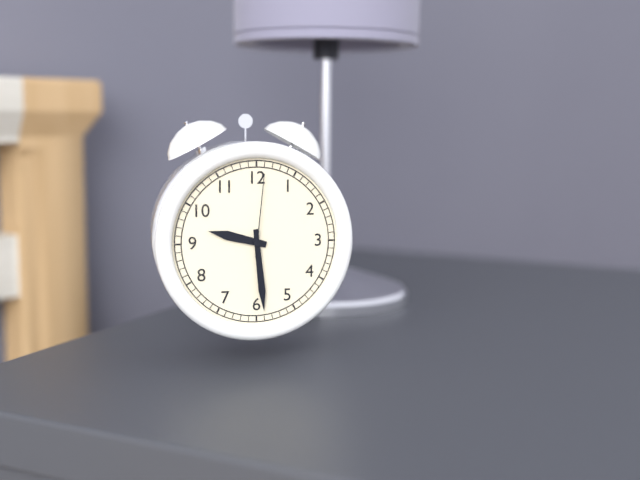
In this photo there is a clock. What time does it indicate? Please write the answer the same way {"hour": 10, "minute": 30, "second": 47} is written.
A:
{"hour": 9, "minute": 29, "second": 1}
